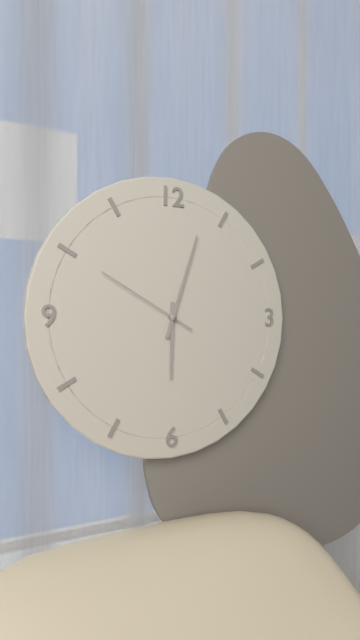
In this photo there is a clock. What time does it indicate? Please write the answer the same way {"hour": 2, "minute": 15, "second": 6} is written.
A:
{"hour": 6, "minute": 3, "second": 50}
